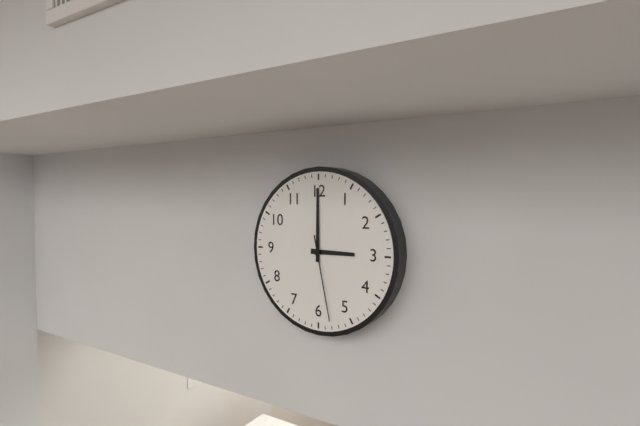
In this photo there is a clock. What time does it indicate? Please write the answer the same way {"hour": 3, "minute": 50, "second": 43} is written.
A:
{"hour": 3, "minute": 0, "second": 28}
